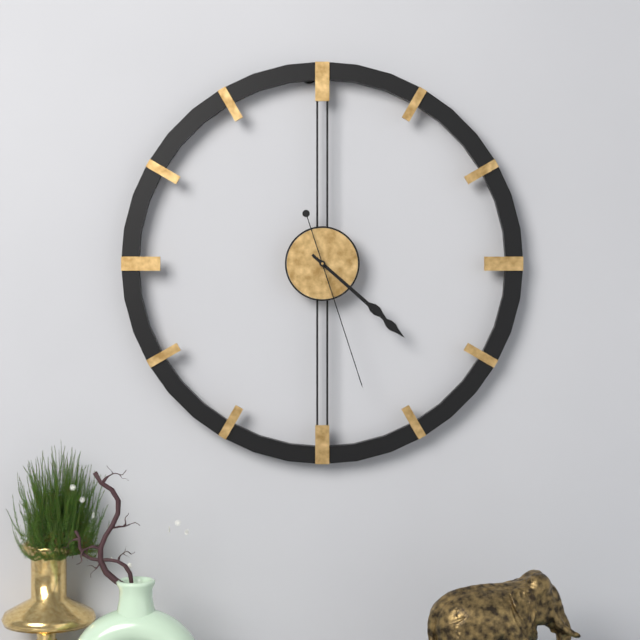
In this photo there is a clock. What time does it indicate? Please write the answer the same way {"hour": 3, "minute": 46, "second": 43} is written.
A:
{"hour": 4, "minute": 22, "second": 27}
